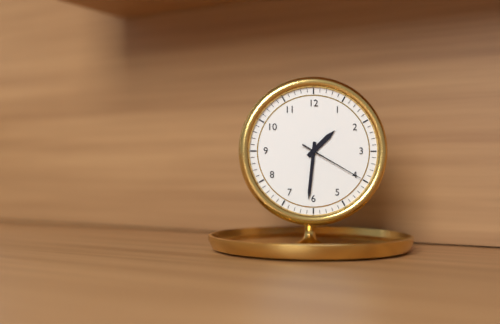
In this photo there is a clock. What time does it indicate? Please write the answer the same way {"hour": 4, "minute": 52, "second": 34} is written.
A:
{"hour": 1, "minute": 31, "second": 20}
